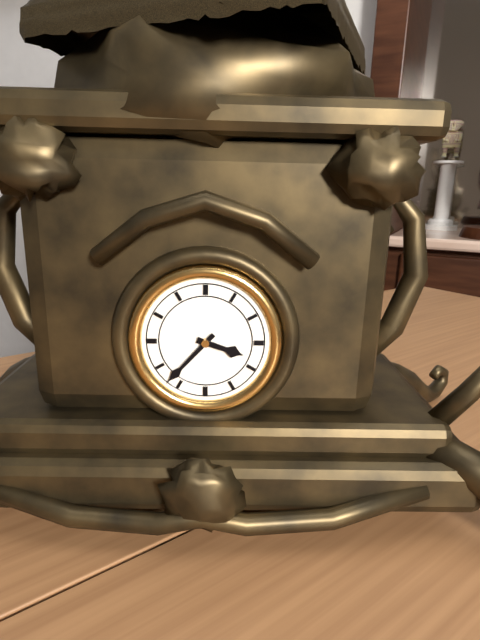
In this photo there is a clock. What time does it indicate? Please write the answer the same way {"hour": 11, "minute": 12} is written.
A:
{"hour": 3, "minute": 37}
